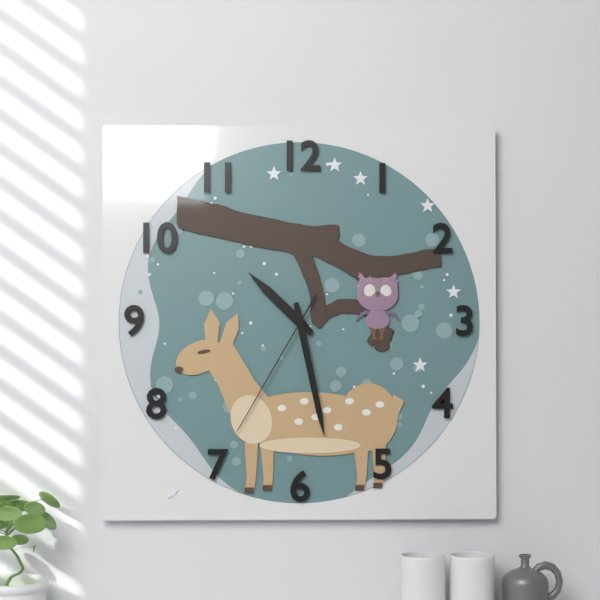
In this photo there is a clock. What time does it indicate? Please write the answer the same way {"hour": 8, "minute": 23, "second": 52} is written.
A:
{"hour": 10, "minute": 28, "second": 35}
